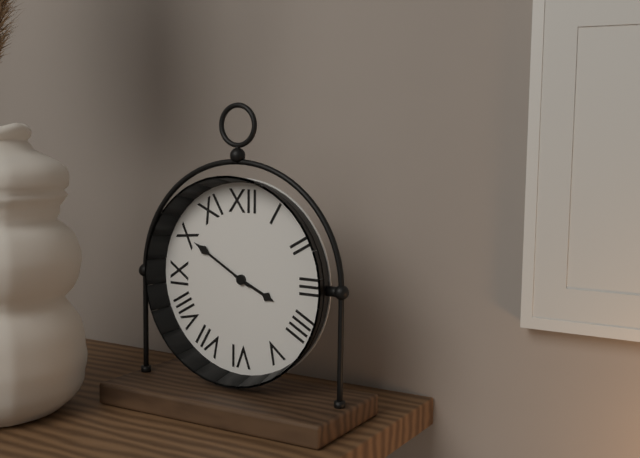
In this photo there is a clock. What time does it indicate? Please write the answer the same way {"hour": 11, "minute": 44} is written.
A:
{"hour": 3, "minute": 50}
